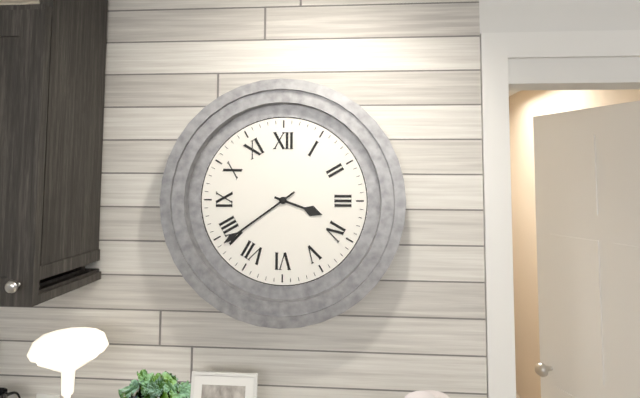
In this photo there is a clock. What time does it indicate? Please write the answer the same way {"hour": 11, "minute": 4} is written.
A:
{"hour": 3, "minute": 39}
